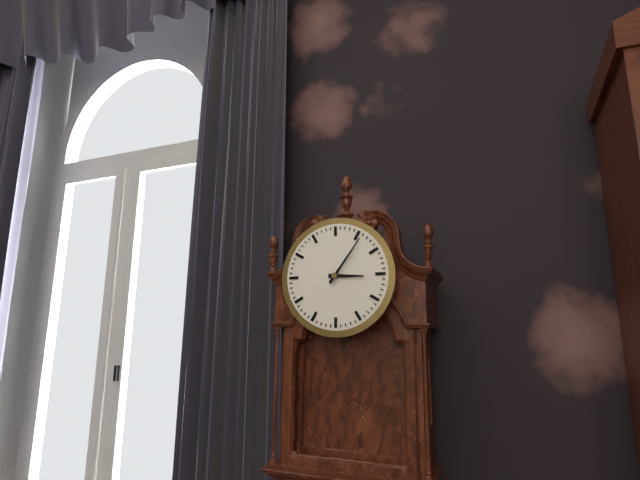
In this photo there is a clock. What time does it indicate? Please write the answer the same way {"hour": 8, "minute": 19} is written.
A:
{"hour": 3, "minute": 6}
